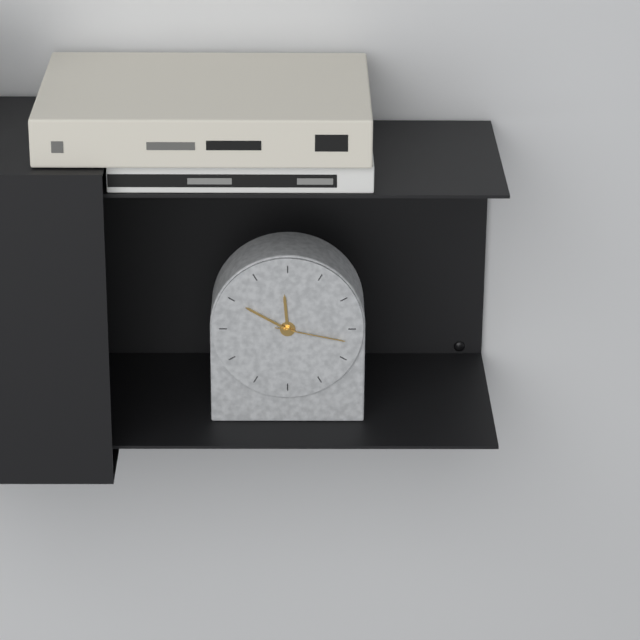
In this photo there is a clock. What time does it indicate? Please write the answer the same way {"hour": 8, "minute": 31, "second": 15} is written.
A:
{"hour": 11, "minute": 50, "second": 17}
